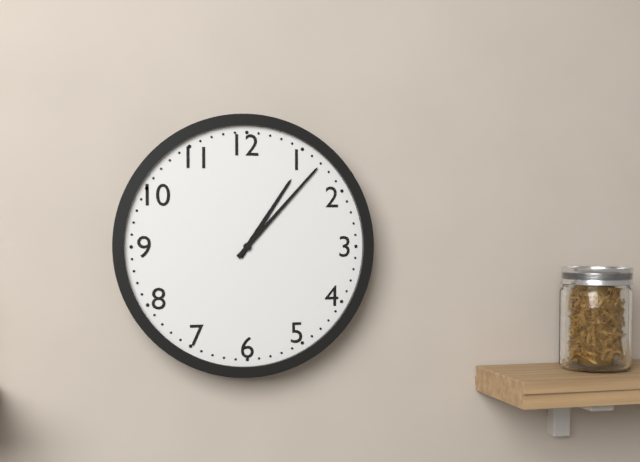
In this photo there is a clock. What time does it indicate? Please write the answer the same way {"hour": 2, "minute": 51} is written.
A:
{"hour": 1, "minute": 7}
